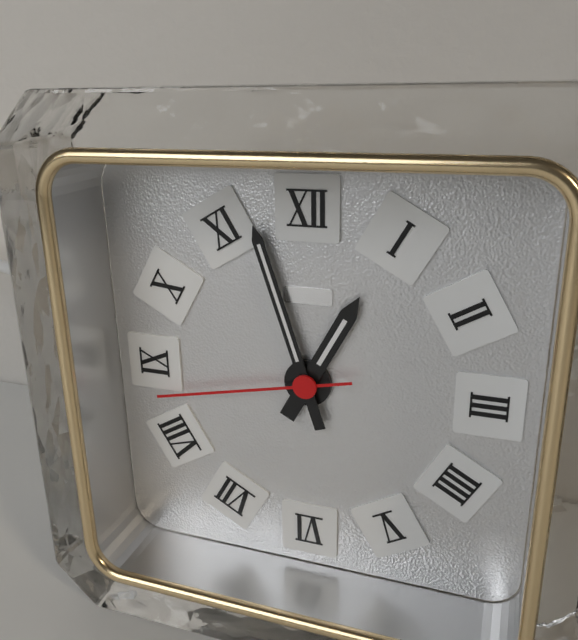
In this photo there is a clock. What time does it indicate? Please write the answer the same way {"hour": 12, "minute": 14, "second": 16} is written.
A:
{"hour": 12, "minute": 57, "second": 43}
